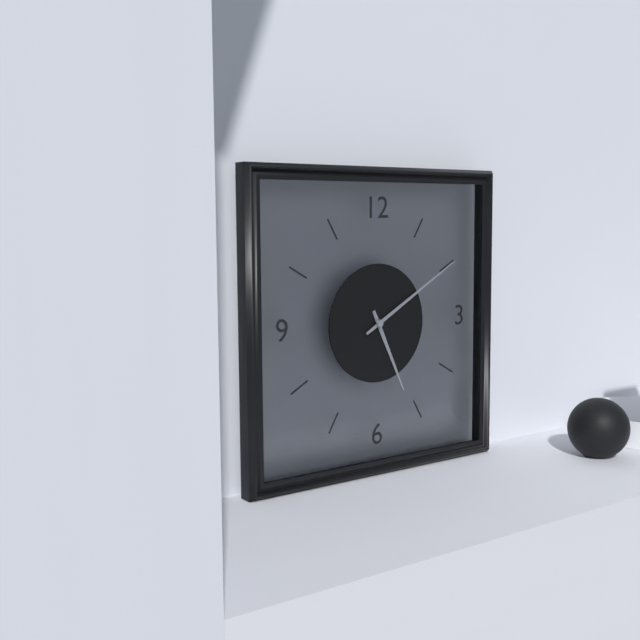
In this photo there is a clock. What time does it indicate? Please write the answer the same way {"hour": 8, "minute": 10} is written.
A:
{"hour": 5, "minute": 10}
